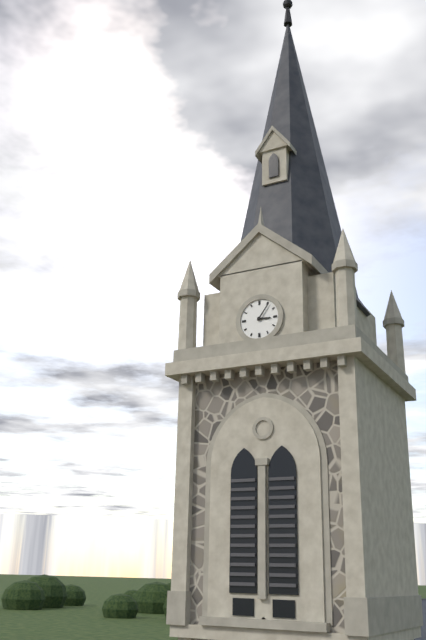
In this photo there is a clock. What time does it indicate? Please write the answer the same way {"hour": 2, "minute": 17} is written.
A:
{"hour": 3, "minute": 6}
